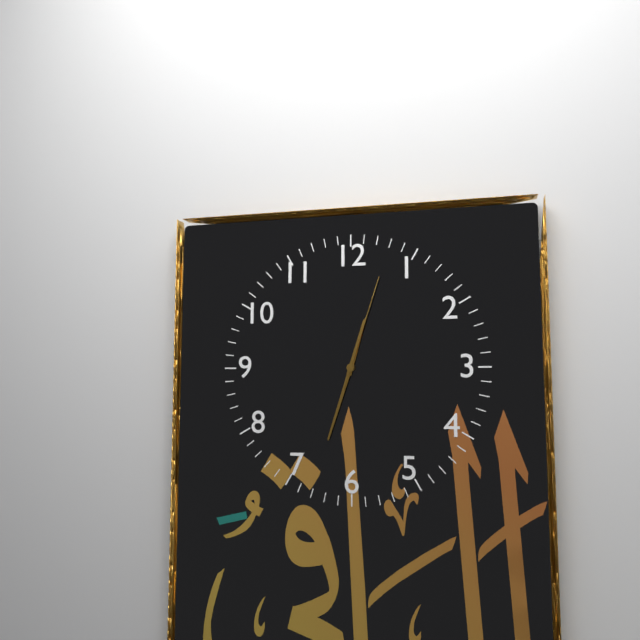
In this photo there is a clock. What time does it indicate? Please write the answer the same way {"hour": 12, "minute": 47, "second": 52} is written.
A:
{"hour": 12, "minute": 33, "second": 3}
